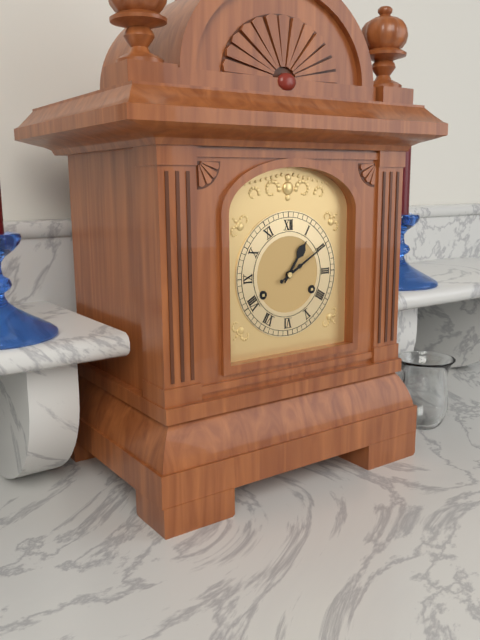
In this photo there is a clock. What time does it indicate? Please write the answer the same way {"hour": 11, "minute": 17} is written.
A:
{"hour": 1, "minute": 10}
